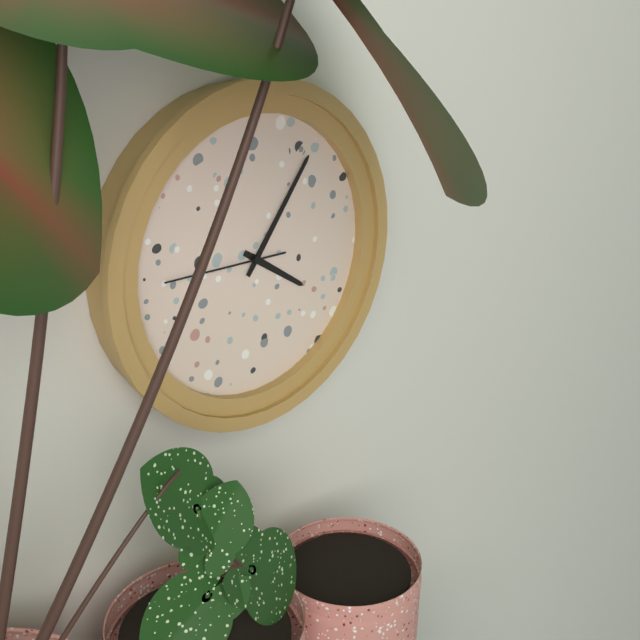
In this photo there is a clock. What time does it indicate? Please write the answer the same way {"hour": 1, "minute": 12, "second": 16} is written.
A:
{"hour": 4, "minute": 6, "second": 45}
